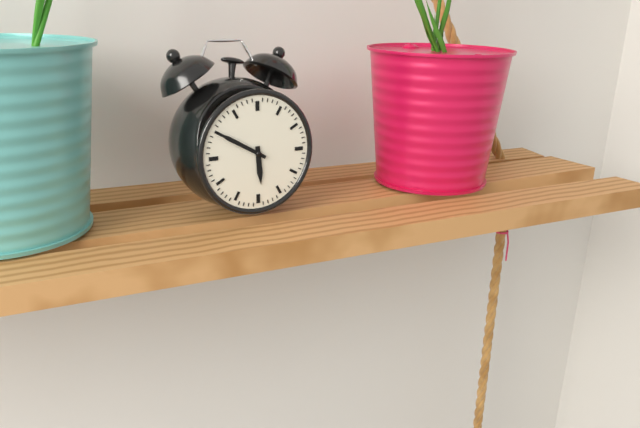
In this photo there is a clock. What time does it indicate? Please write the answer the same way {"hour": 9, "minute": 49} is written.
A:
{"hour": 5, "minute": 50}
